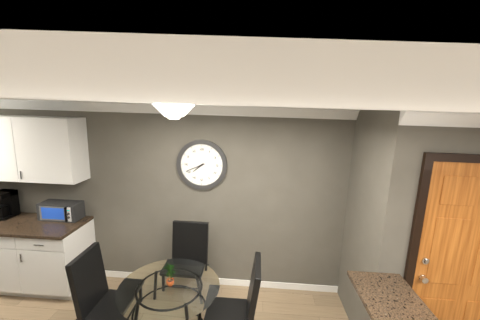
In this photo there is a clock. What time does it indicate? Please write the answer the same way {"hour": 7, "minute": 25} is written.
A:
{"hour": 7, "minute": 41}
